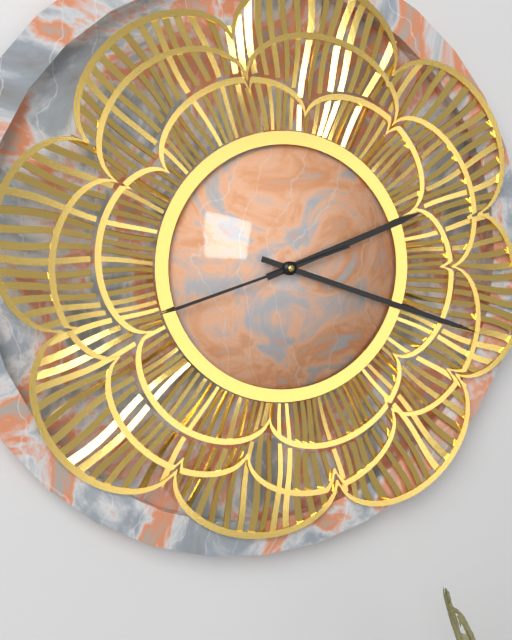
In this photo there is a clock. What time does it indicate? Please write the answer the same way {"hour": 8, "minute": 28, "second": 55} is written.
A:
{"hour": 2, "minute": 18, "second": 42}
